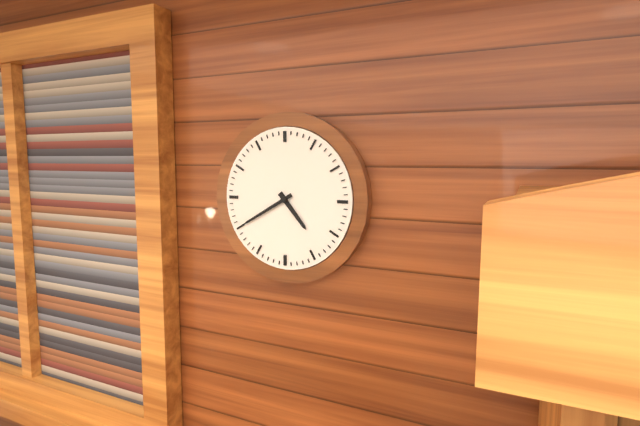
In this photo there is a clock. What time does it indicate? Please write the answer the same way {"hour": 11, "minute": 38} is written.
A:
{"hour": 4, "minute": 40}
